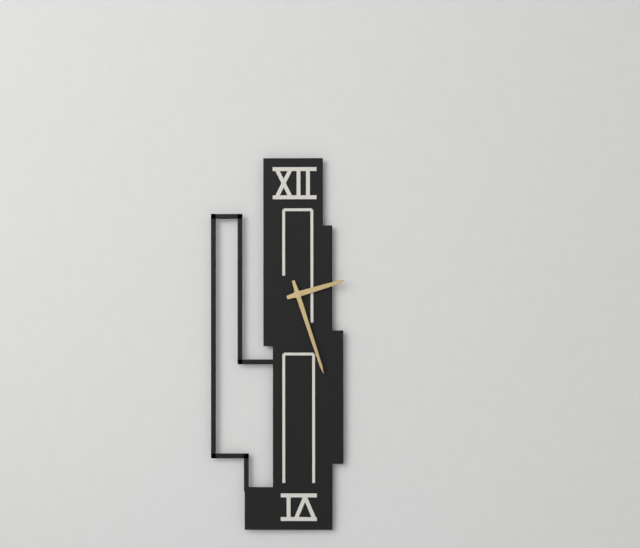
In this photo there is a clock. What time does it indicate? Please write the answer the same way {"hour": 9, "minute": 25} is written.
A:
{"hour": 2, "minute": 27}
